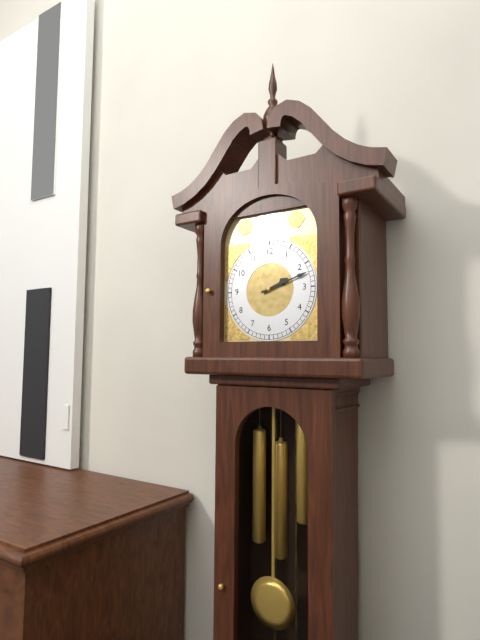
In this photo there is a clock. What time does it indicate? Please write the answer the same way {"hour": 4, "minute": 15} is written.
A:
{"hour": 2, "minute": 12}
